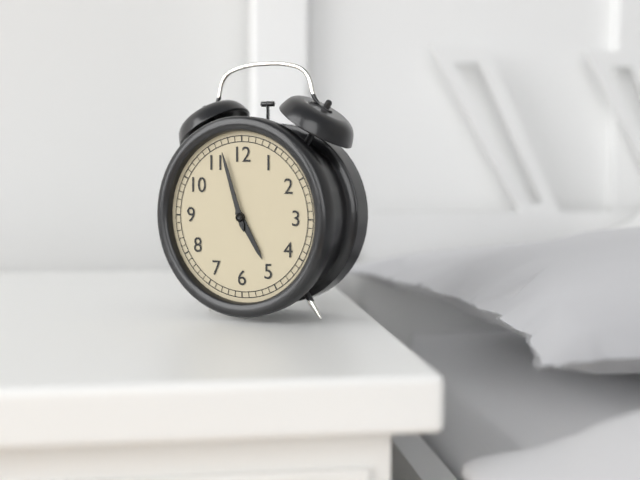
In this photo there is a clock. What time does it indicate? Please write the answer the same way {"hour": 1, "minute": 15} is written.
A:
{"hour": 4, "minute": 57}
